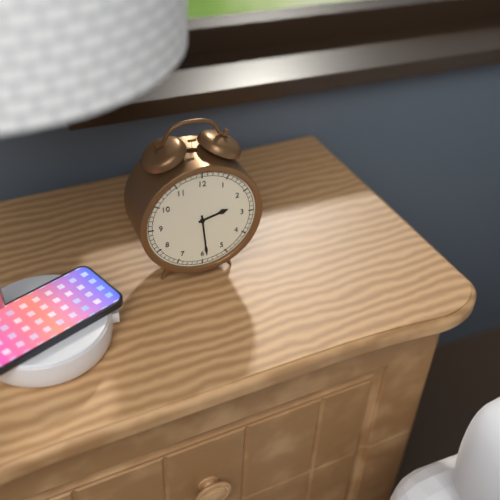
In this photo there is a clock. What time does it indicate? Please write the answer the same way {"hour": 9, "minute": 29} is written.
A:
{"hour": 2, "minute": 29}
